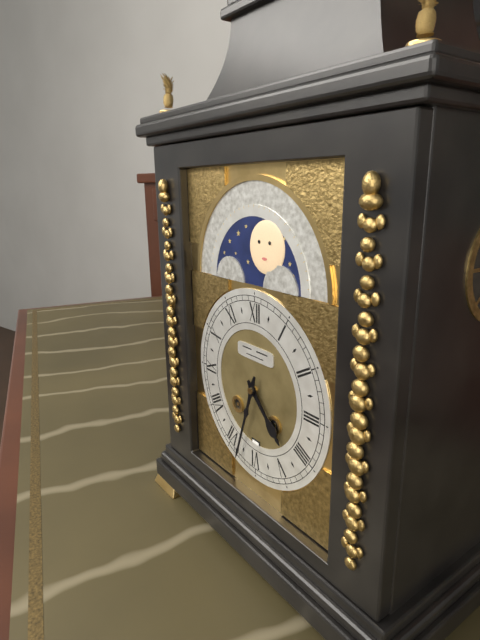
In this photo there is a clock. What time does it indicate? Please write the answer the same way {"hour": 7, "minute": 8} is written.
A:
{"hour": 4, "minute": 33}
